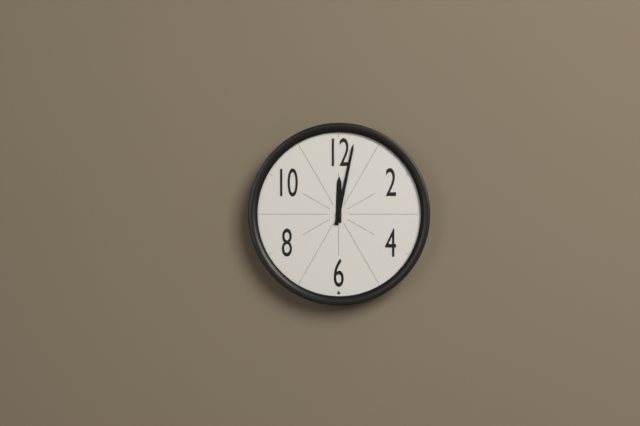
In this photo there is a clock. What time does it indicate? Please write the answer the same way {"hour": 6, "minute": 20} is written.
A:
{"hour": 12, "minute": 2}
